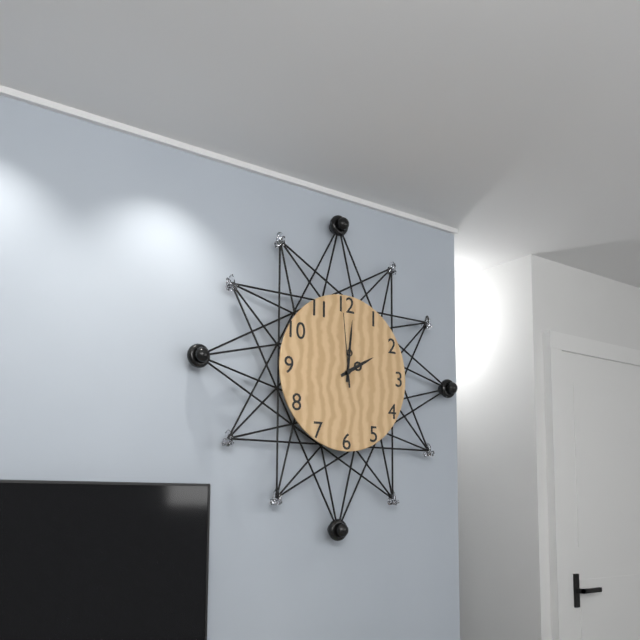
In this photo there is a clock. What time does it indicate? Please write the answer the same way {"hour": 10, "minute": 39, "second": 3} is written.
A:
{"hour": 2, "minute": 1, "second": 59}
